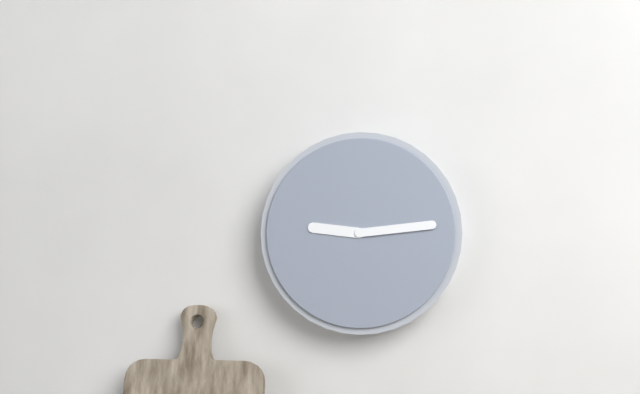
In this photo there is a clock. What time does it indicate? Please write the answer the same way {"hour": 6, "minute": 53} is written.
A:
{"hour": 9, "minute": 14}
